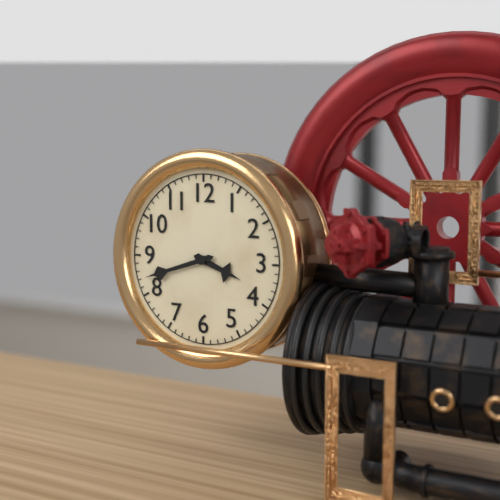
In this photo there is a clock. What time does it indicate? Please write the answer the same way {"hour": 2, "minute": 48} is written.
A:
{"hour": 3, "minute": 42}
